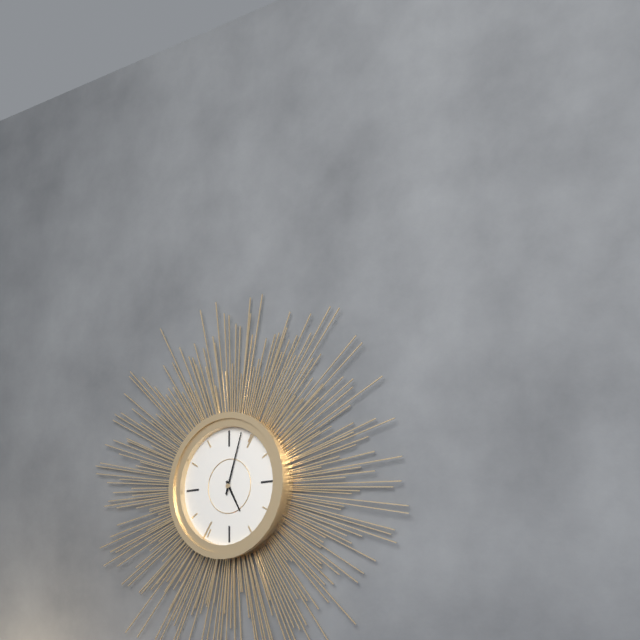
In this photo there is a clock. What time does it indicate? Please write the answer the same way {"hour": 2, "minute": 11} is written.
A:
{"hour": 5, "minute": 3}
